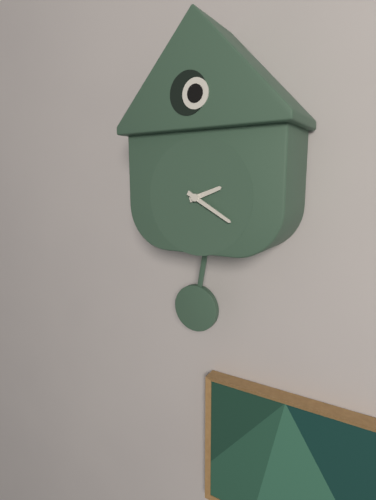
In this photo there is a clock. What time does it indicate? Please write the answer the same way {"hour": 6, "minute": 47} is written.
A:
{"hour": 2, "minute": 20}
